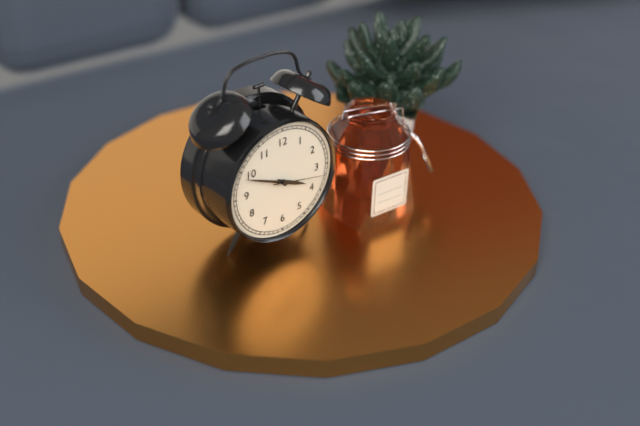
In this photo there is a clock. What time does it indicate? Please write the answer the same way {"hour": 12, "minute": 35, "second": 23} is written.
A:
{"hour": 3, "minute": 49, "second": 17}
